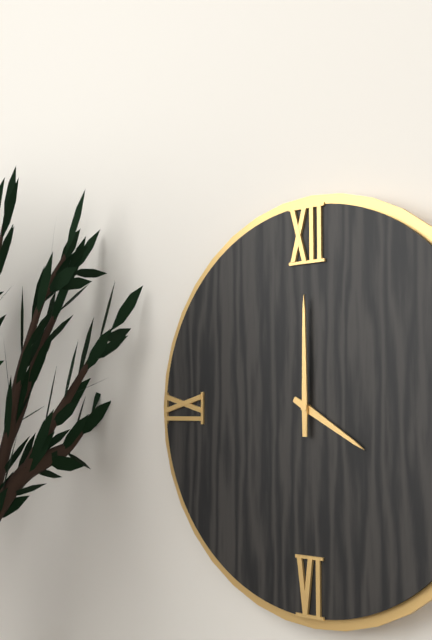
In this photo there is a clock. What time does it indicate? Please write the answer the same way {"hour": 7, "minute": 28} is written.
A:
{"hour": 4, "minute": 0}
